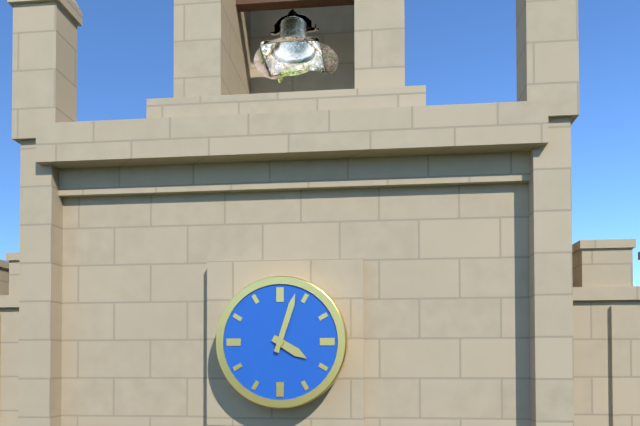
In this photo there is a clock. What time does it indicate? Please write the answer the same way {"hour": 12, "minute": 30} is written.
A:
{"hour": 4, "minute": 3}
